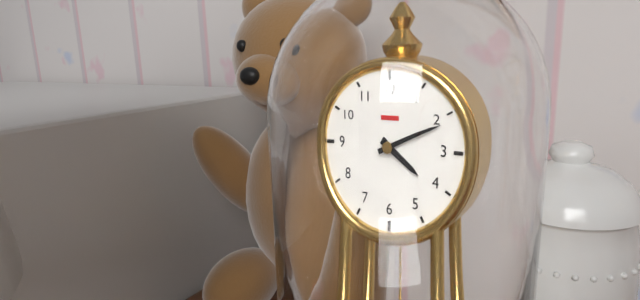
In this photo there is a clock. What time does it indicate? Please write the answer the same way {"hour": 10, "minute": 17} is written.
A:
{"hour": 4, "minute": 11}
